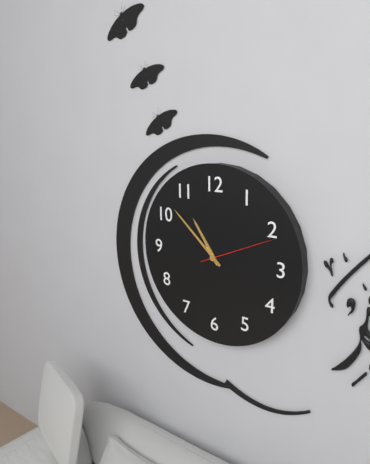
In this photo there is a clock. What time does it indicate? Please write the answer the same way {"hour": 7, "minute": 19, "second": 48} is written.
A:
{"hour": 10, "minute": 52, "second": 11}
